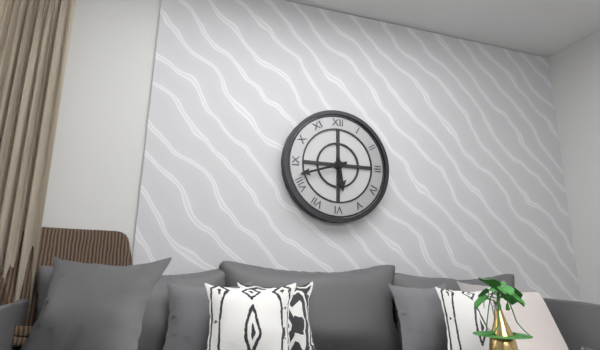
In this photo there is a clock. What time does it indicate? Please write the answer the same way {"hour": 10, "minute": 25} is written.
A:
{"hour": 5, "minute": 42}
